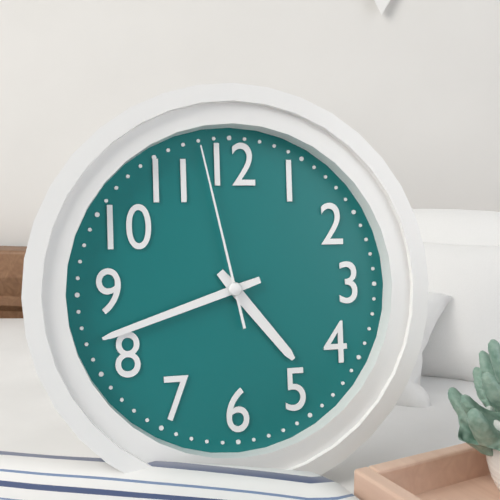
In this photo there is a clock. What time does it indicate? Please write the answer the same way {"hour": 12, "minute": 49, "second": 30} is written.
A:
{"hour": 4, "minute": 42, "second": 58}
